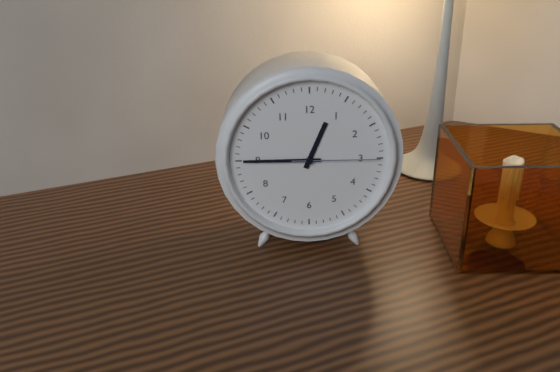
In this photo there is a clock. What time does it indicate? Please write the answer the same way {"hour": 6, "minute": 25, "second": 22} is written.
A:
{"hour": 12, "minute": 45, "second": 15}
